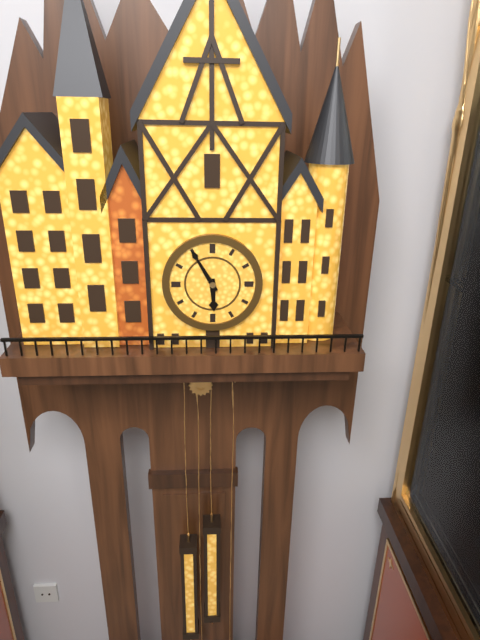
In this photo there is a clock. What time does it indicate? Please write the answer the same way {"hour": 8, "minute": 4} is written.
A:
{"hour": 5, "minute": 55}
